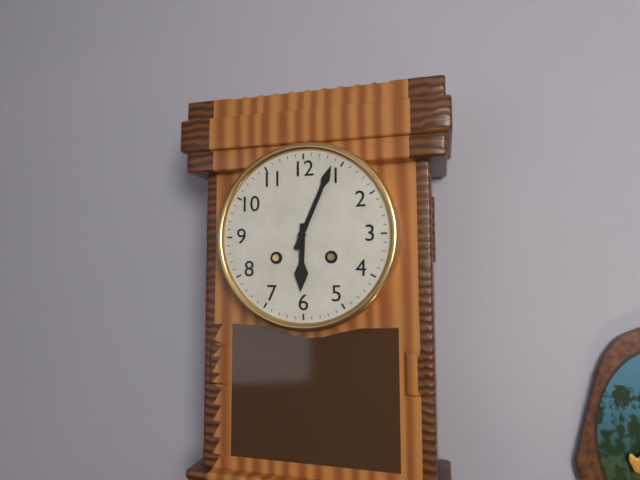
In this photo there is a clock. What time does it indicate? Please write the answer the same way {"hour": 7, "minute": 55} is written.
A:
{"hour": 6, "minute": 4}
